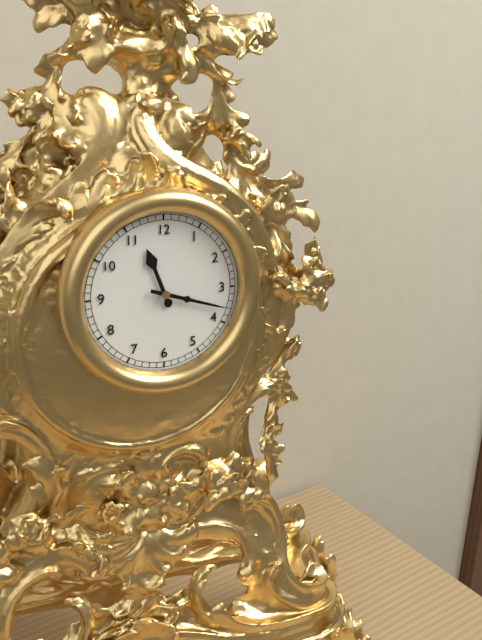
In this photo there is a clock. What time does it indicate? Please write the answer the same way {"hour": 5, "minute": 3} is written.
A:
{"hour": 11, "minute": 18}
